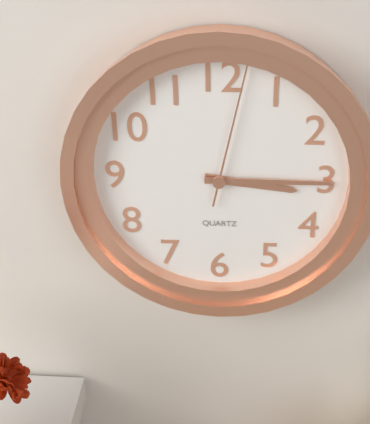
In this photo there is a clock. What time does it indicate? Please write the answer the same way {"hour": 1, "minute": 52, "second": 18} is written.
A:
{"hour": 3, "minute": 15, "second": 2}
